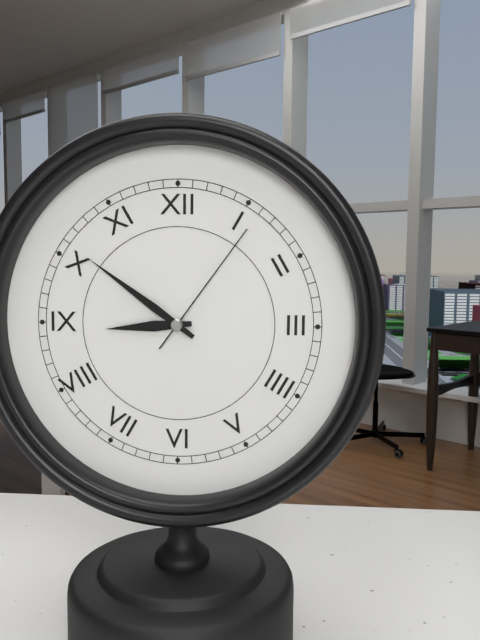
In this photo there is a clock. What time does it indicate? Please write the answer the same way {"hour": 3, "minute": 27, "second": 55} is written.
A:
{"hour": 8, "minute": 51, "second": 6}
